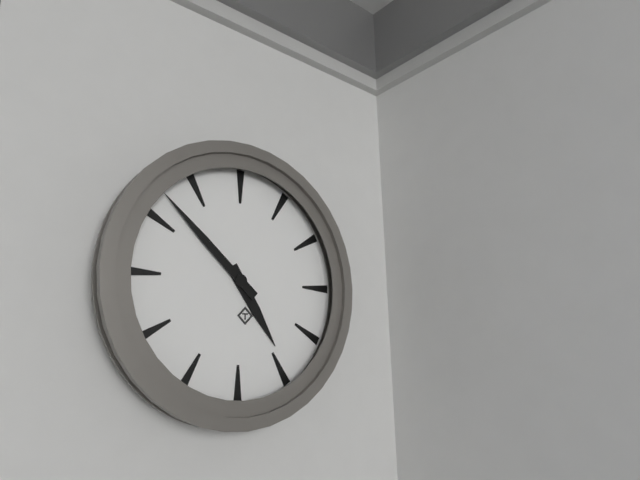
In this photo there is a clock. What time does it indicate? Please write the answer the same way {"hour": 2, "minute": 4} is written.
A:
{"hour": 4, "minute": 52}
